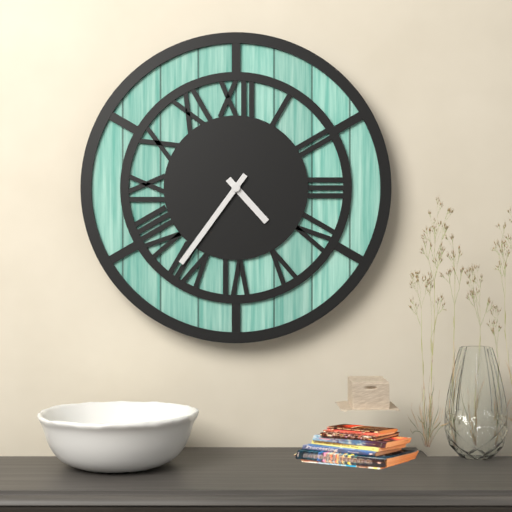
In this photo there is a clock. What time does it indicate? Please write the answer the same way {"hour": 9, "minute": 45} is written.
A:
{"hour": 4, "minute": 36}
